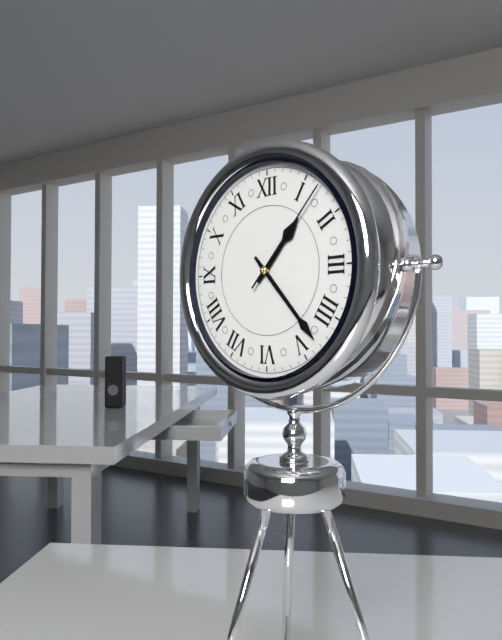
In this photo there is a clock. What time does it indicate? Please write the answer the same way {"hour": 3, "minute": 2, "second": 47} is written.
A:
{"hour": 1, "minute": 23, "second": 7}
